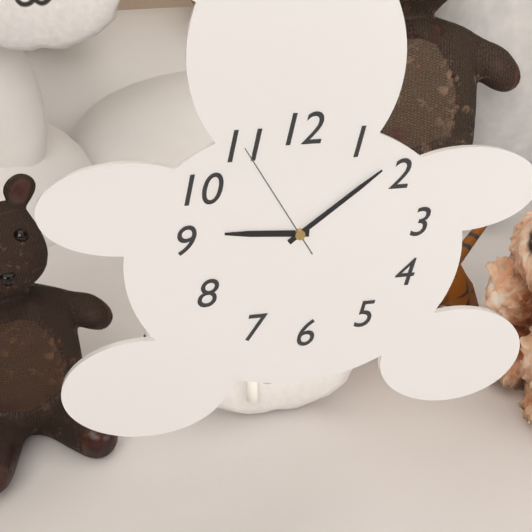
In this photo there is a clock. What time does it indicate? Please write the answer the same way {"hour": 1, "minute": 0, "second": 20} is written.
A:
{"hour": 9, "minute": 9, "second": 55}
